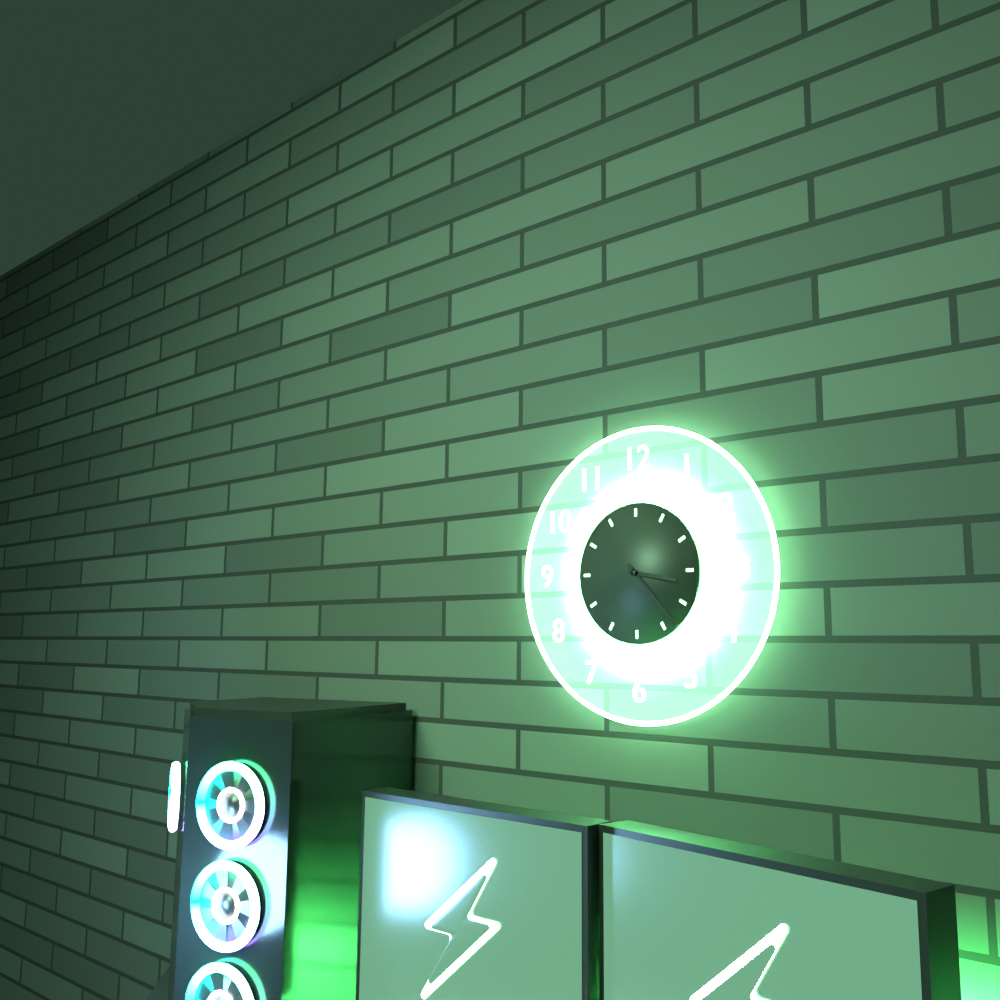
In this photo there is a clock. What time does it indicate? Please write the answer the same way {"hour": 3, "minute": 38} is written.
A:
{"hour": 3, "minute": 23}
